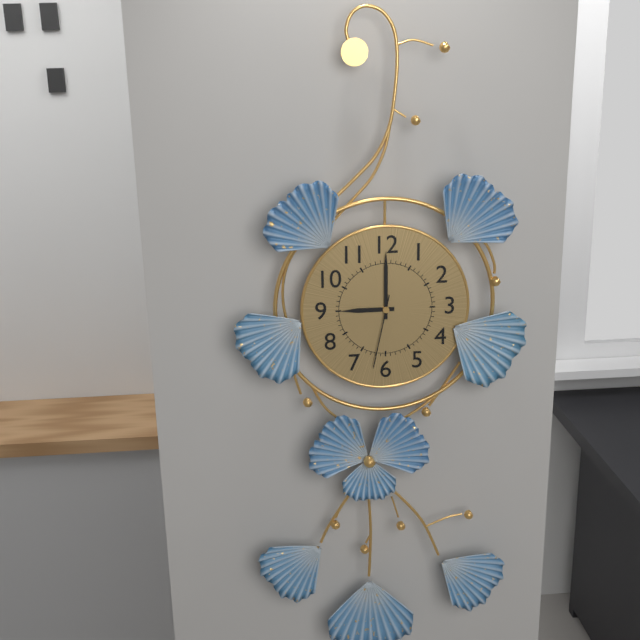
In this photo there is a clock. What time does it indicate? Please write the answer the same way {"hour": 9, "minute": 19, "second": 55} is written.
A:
{"hour": 9, "minute": 0, "second": 32}
